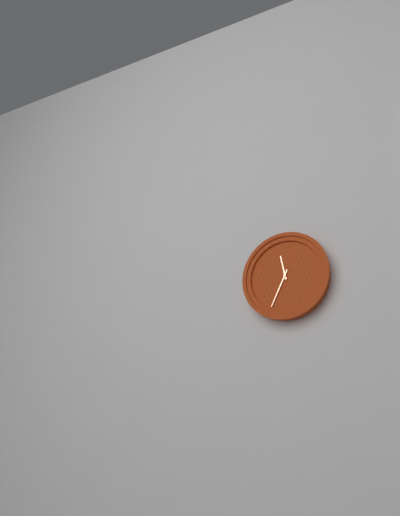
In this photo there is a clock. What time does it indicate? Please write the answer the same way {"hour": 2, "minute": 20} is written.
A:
{"hour": 11, "minute": 34}
